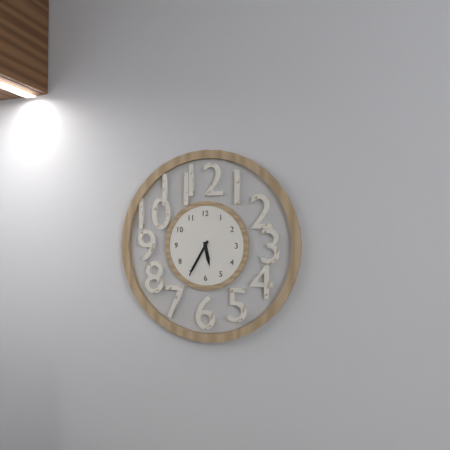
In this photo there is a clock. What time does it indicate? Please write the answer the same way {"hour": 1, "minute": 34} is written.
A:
{"hour": 5, "minute": 35}
